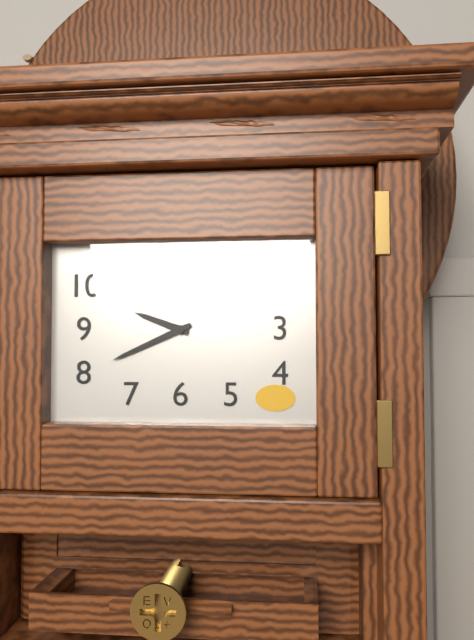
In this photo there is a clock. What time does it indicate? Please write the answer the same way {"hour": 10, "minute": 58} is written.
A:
{"hour": 9, "minute": 41}
